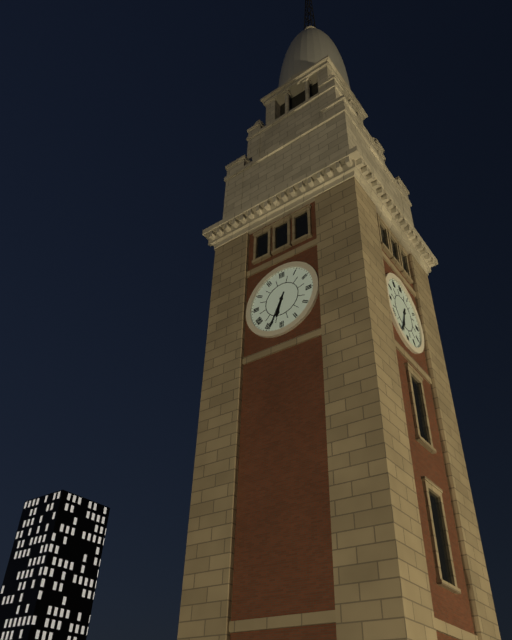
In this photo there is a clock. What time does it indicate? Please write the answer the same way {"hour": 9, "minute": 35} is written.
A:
{"hour": 6, "minute": 34}
